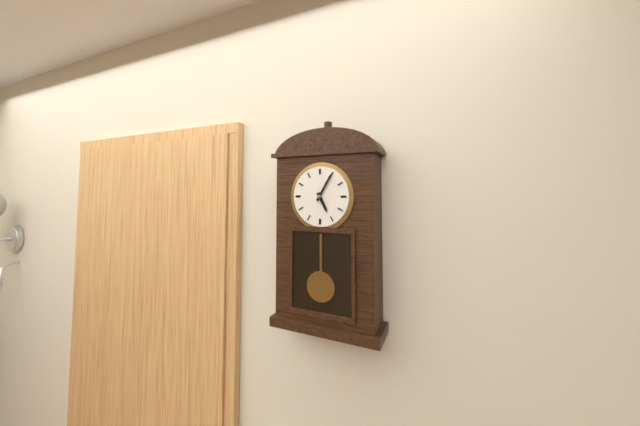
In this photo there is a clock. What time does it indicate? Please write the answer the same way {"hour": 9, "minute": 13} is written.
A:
{"hour": 5, "minute": 5}
